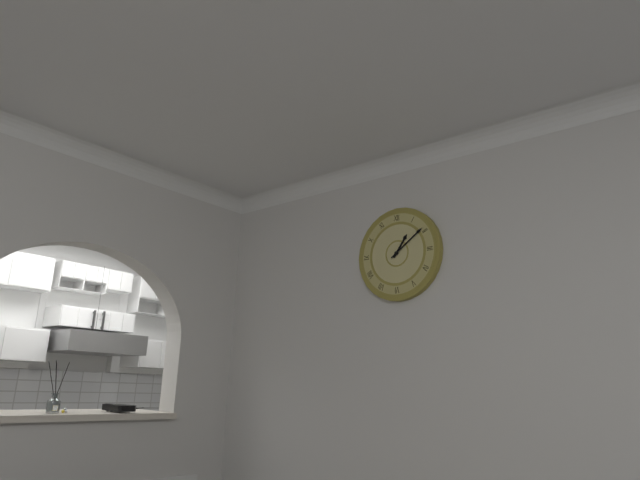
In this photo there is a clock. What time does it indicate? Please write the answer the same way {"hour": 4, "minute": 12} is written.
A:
{"hour": 1, "minute": 9}
